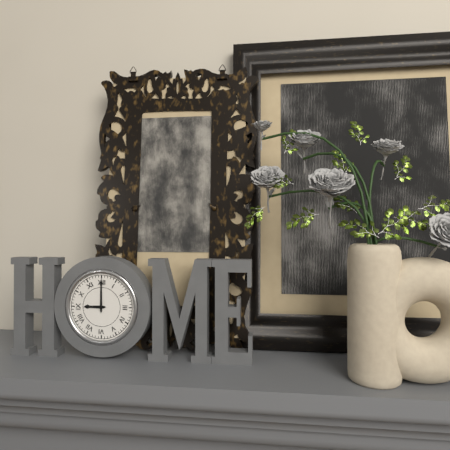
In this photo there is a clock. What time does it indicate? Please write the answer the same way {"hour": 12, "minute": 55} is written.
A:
{"hour": 9, "minute": 0}
